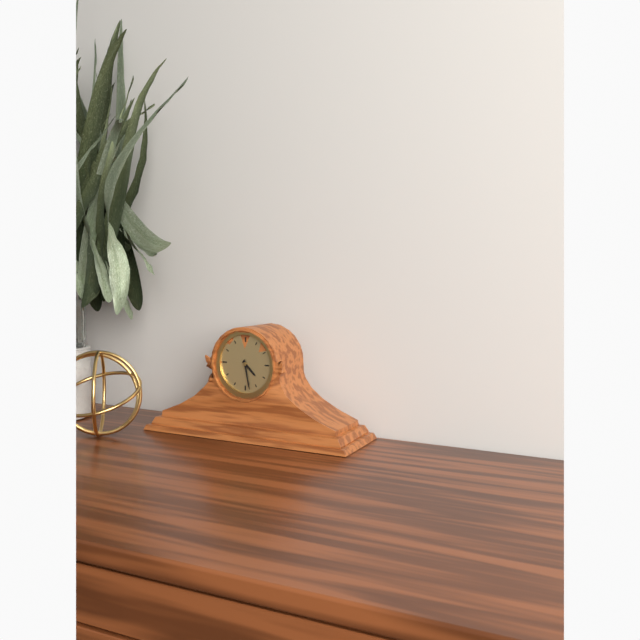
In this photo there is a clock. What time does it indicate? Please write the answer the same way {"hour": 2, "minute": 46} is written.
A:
{"hour": 4, "minute": 28}
